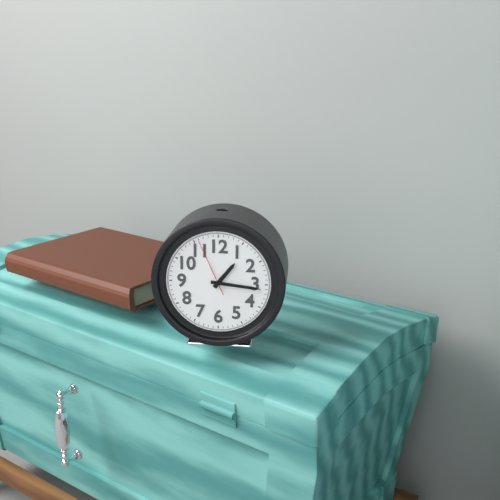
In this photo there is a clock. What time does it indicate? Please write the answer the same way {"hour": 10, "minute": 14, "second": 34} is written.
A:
{"hour": 1, "minute": 16, "second": 56}
